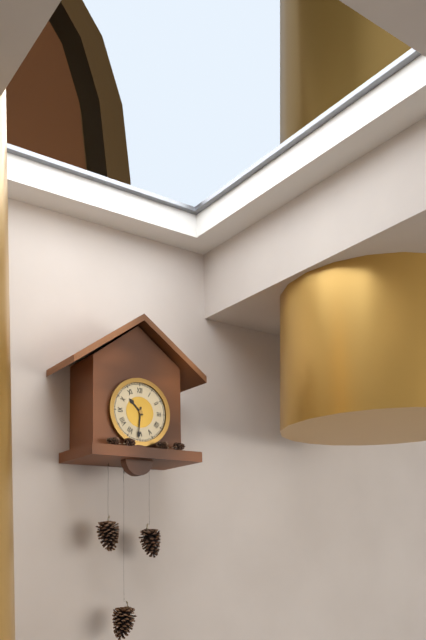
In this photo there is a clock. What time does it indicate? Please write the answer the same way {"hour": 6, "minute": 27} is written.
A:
{"hour": 10, "minute": 31}
